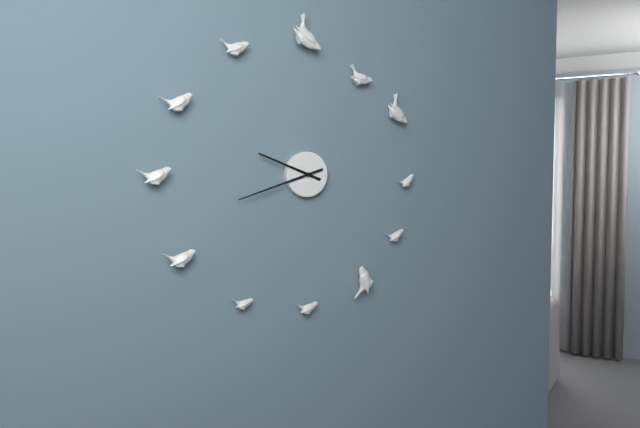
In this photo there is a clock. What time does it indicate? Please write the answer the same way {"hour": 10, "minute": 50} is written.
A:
{"hour": 9, "minute": 42}
